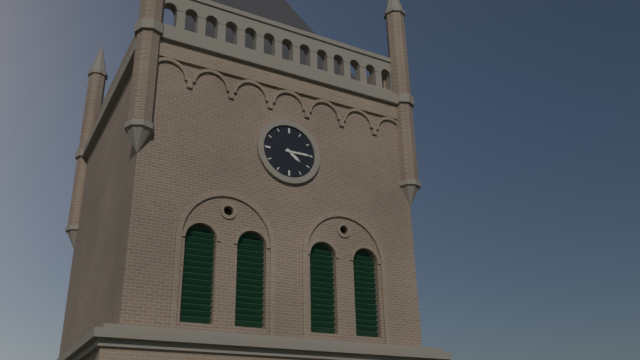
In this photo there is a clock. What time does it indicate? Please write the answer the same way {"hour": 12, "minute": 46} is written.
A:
{"hour": 4, "minute": 15}
